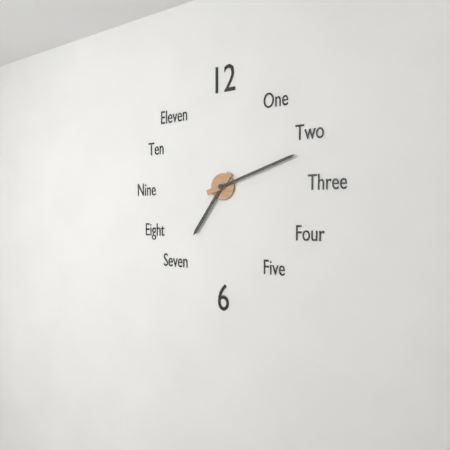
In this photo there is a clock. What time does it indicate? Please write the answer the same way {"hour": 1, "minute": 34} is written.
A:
{"hour": 7, "minute": 12}
